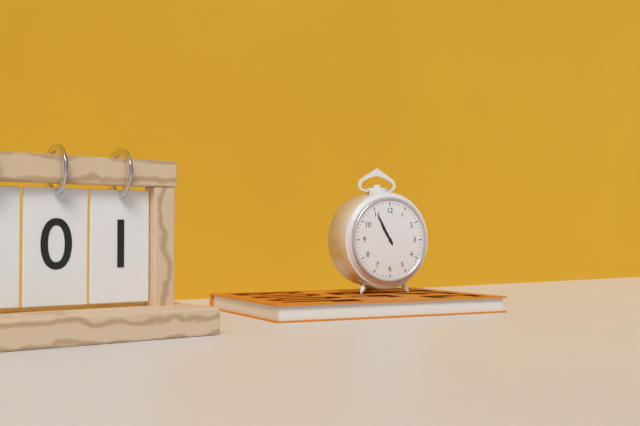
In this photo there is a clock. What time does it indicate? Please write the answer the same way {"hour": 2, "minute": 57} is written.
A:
{"hour": 10, "minute": 55}
